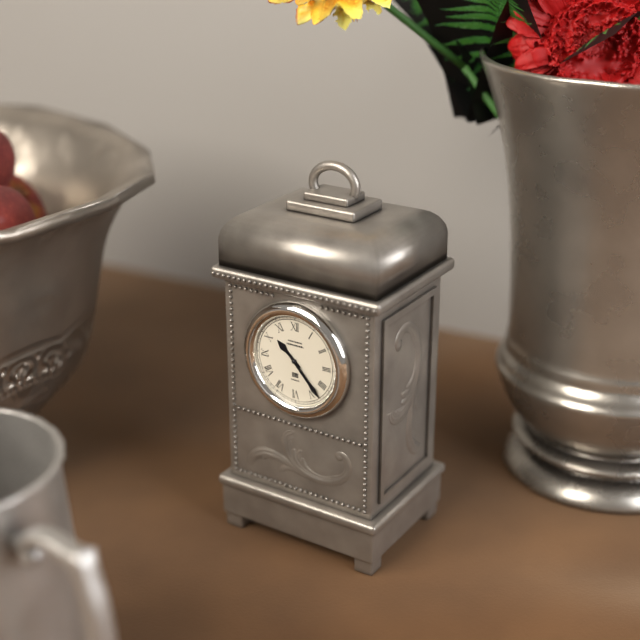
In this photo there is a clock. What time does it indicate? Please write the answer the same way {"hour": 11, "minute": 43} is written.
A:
{"hour": 10, "minute": 23}
